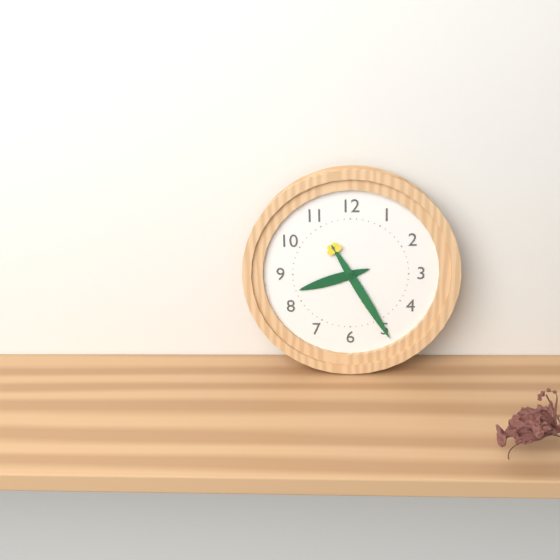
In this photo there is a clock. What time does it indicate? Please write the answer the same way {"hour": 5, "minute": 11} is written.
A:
{"hour": 8, "minute": 25}
